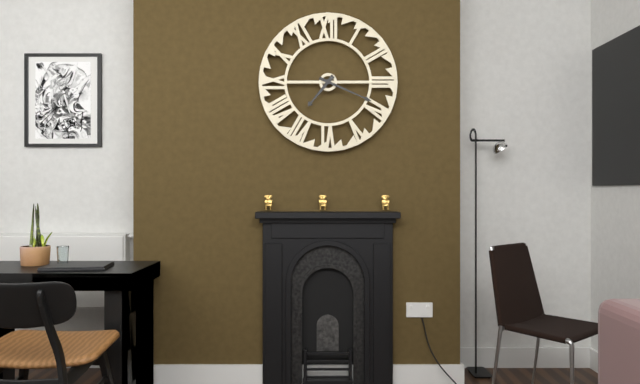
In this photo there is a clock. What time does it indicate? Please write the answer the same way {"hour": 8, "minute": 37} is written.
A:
{"hour": 7, "minute": 19}
